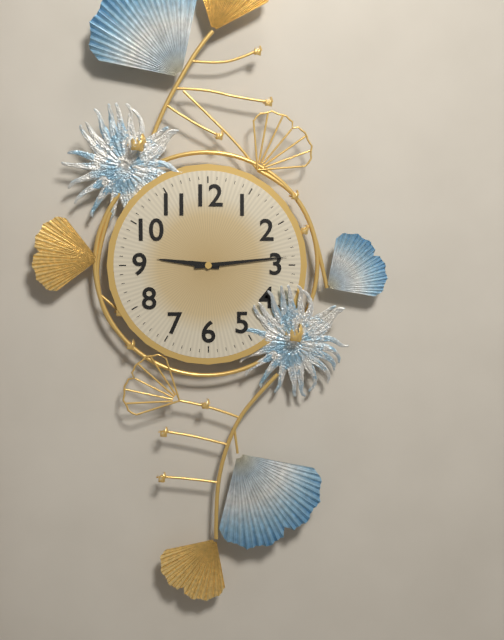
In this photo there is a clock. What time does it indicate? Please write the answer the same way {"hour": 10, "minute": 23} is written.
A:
{"hour": 9, "minute": 14}
